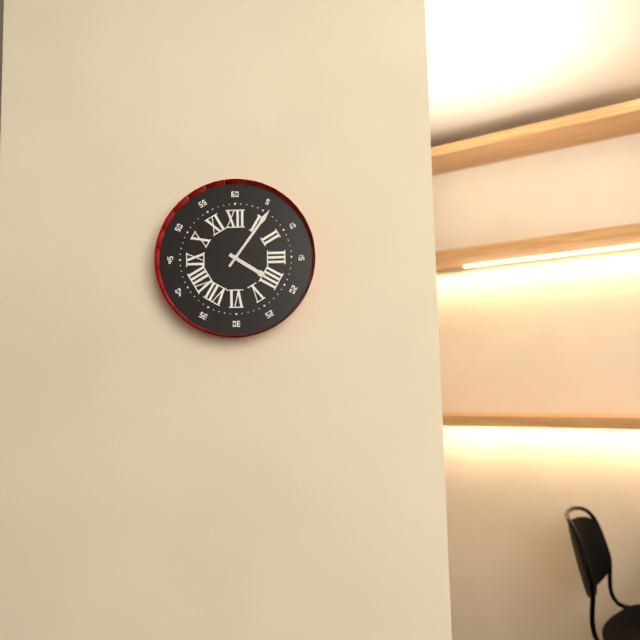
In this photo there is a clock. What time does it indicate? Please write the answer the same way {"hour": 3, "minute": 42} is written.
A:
{"hour": 4, "minute": 6}
